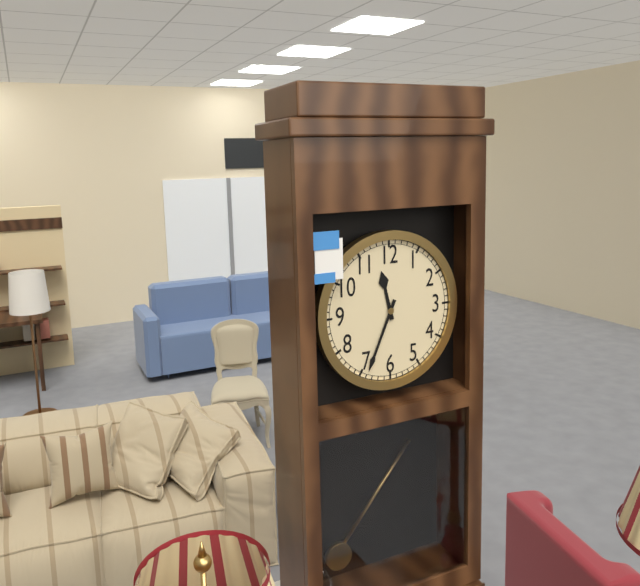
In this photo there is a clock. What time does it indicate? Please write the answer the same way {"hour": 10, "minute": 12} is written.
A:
{"hour": 11, "minute": 34}
